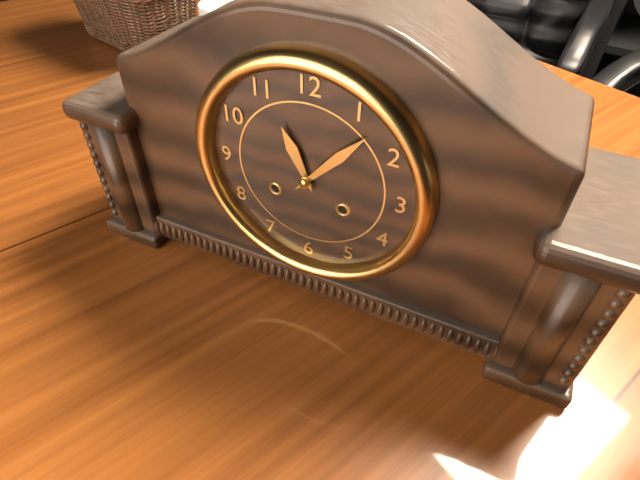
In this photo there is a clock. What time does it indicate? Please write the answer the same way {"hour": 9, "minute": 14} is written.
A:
{"hour": 11, "minute": 7}
